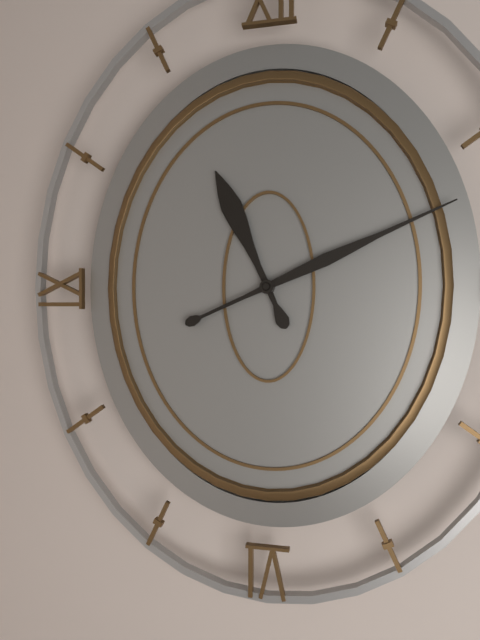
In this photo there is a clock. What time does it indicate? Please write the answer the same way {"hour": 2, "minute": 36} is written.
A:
{"hour": 11, "minute": 11}
